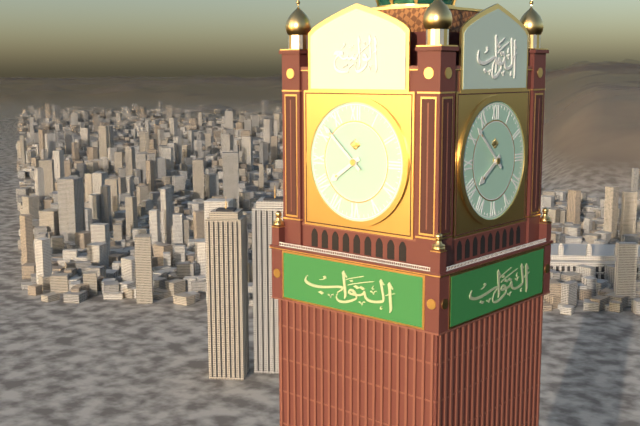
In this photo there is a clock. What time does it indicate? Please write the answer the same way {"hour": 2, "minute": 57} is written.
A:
{"hour": 7, "minute": 52}
